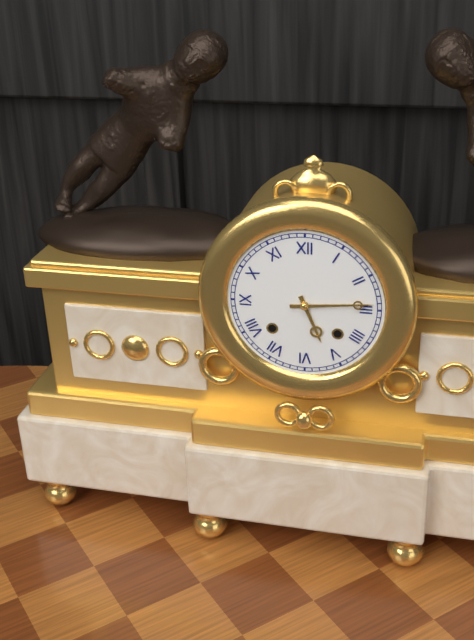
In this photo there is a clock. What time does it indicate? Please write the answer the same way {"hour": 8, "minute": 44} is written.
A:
{"hour": 5, "minute": 14}
